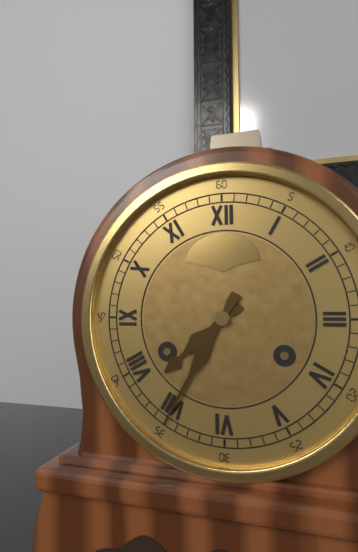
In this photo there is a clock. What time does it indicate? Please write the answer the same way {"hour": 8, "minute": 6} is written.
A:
{"hour": 7, "minute": 35}
